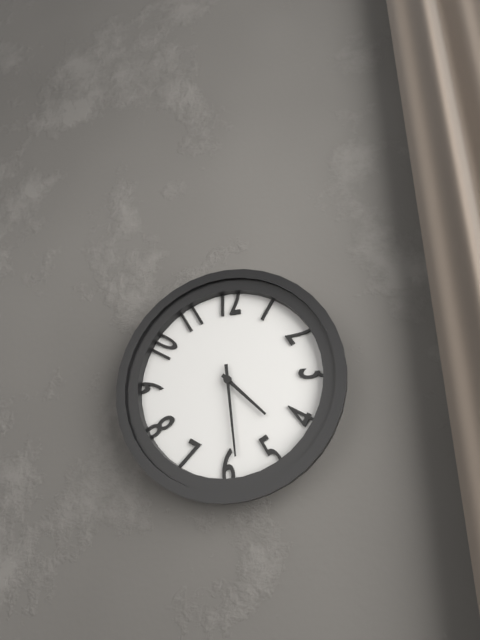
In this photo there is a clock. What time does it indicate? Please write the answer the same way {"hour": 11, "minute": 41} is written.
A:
{"hour": 4, "minute": 29}
